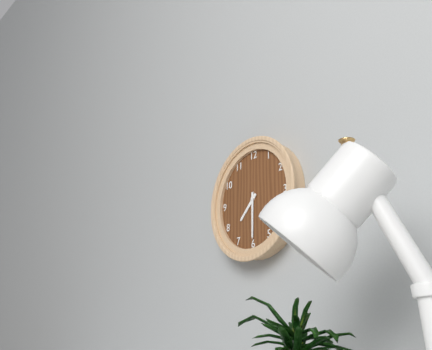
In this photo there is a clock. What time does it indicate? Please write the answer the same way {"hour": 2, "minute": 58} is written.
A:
{"hour": 7, "minute": 30}
